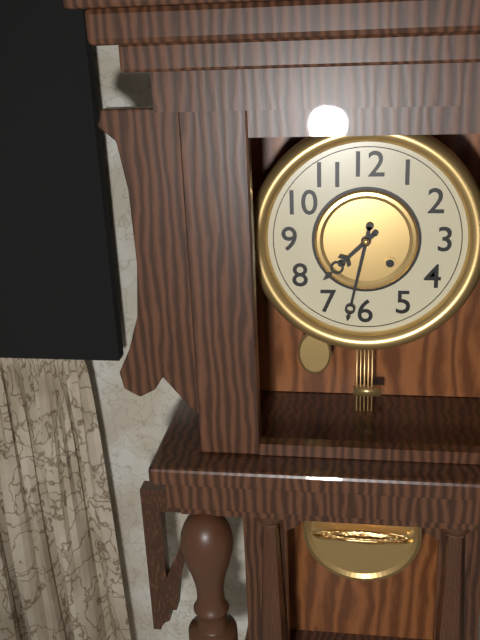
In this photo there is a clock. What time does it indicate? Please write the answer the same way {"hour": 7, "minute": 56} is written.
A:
{"hour": 7, "minute": 32}
